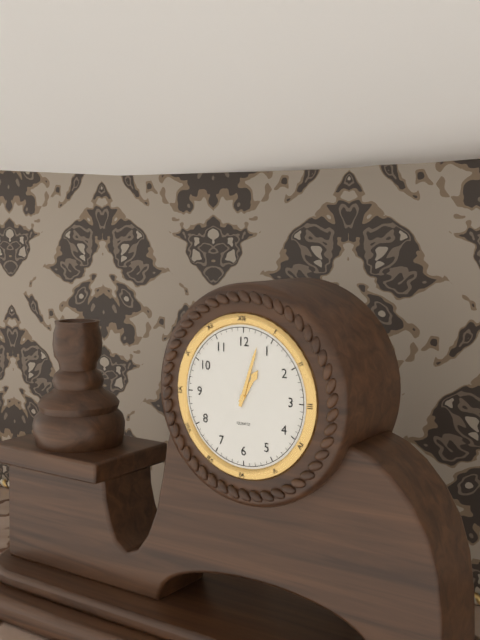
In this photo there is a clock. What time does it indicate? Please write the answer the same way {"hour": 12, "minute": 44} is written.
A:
{"hour": 1, "minute": 3}
